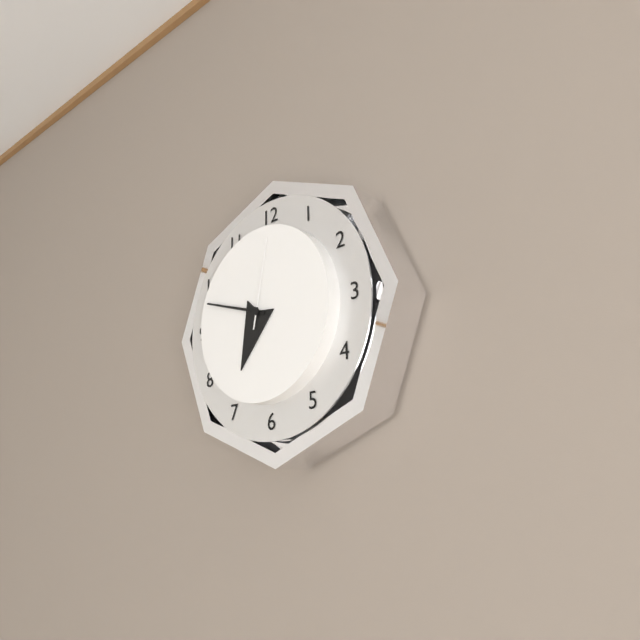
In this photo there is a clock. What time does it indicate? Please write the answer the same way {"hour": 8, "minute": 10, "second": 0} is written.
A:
{"hour": 6, "minute": 48, "second": 2}
